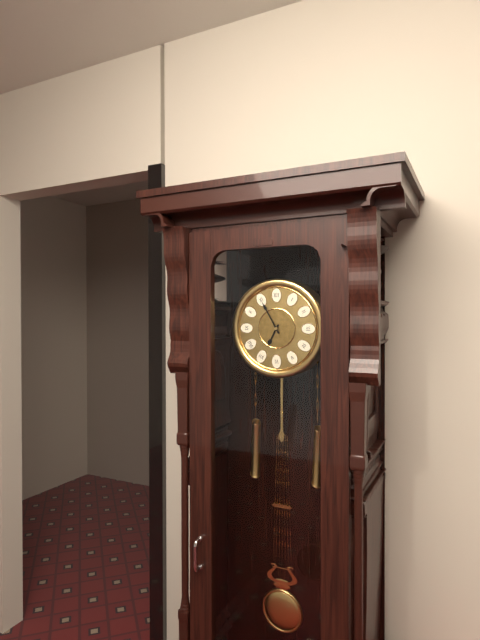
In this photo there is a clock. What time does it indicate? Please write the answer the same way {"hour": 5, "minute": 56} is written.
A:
{"hour": 6, "minute": 55}
